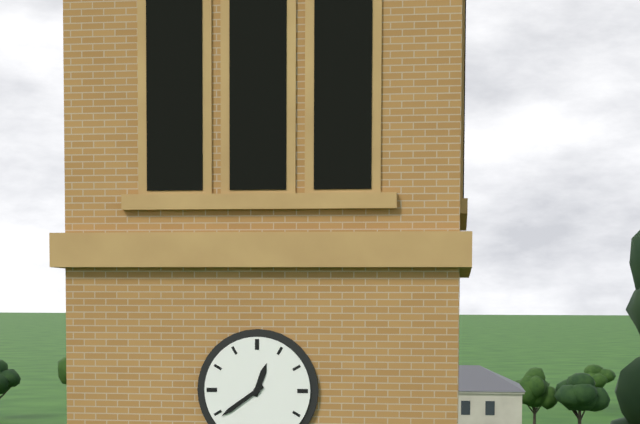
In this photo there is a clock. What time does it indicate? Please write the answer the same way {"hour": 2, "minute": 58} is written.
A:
{"hour": 12, "minute": 39}
